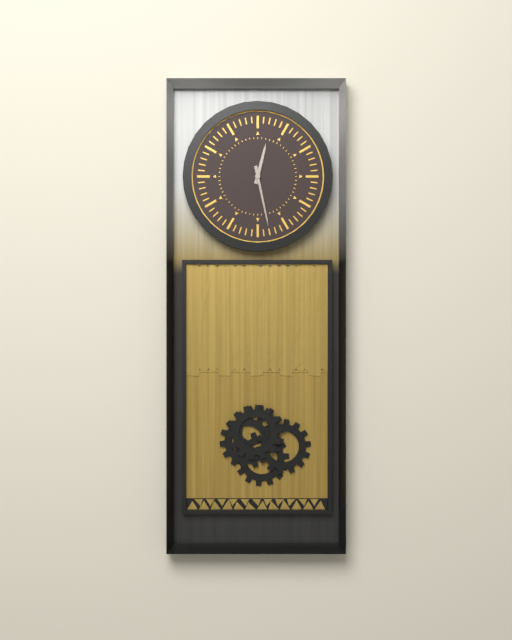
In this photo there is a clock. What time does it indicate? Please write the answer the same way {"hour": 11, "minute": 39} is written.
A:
{"hour": 12, "minute": 28}
